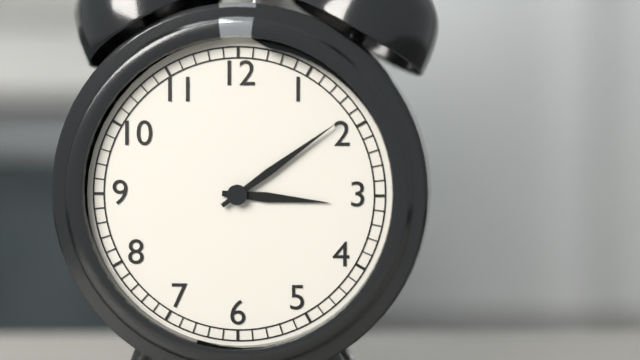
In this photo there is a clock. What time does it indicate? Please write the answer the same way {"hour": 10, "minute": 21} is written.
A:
{"hour": 3, "minute": 9}
